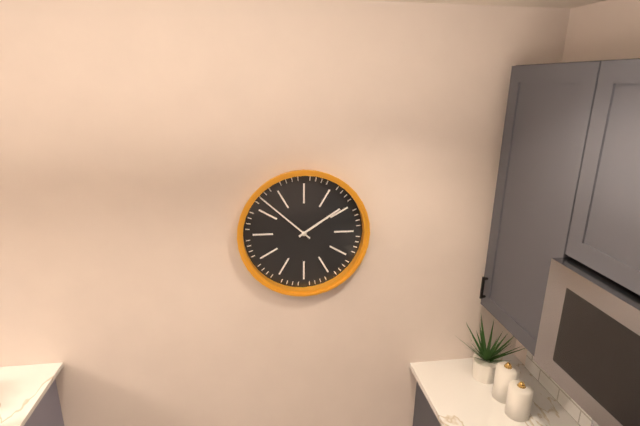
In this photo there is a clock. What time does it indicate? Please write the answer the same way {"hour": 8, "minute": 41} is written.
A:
{"hour": 1, "minute": 52}
